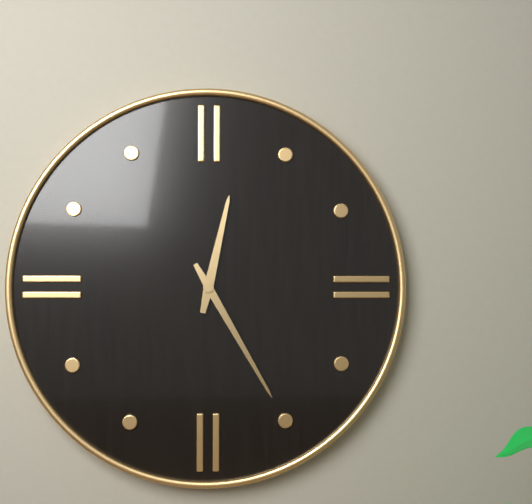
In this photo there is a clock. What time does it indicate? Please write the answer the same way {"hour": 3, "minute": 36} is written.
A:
{"hour": 12, "minute": 25}
